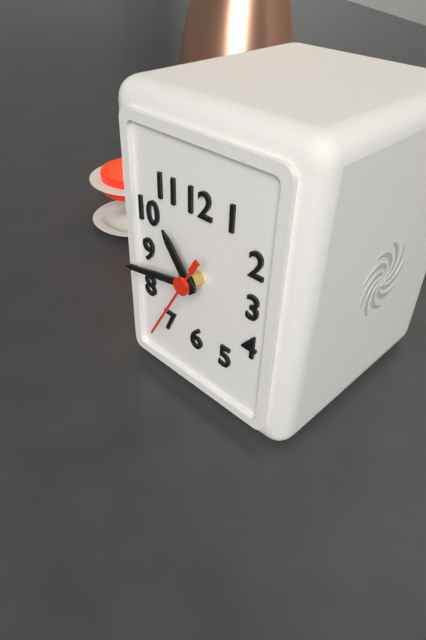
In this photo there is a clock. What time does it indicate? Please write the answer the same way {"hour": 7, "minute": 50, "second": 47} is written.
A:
{"hour": 10, "minute": 43, "second": 35}
